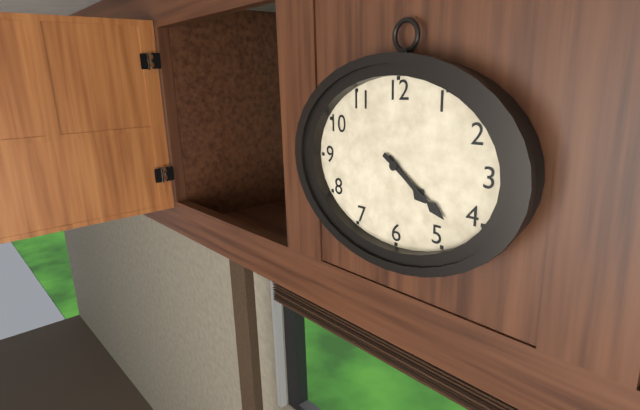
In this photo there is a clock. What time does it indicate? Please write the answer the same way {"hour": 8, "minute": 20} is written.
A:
{"hour": 4, "minute": 21}
